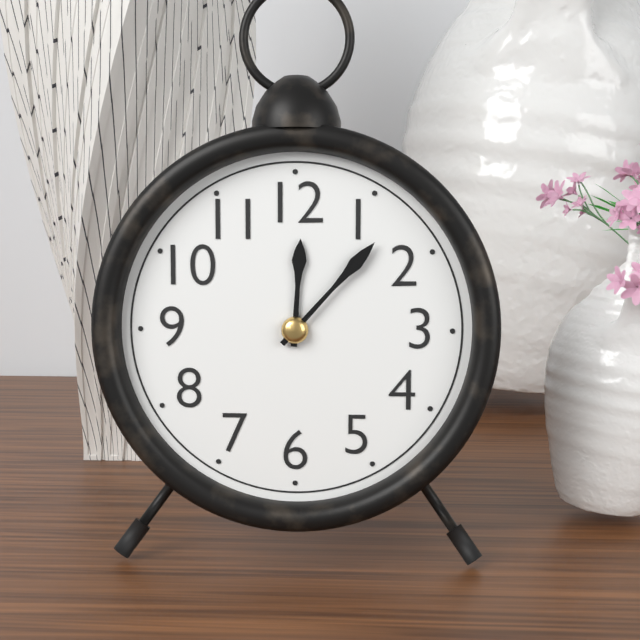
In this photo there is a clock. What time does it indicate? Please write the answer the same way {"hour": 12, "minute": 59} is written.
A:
{"hour": 12, "minute": 7}
